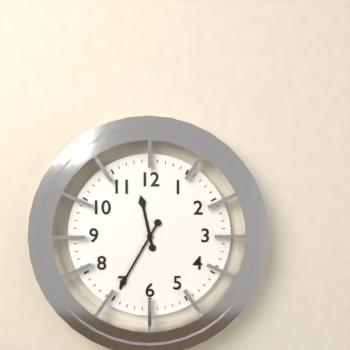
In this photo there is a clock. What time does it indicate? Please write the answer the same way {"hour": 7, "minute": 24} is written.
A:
{"hour": 11, "minute": 35}
